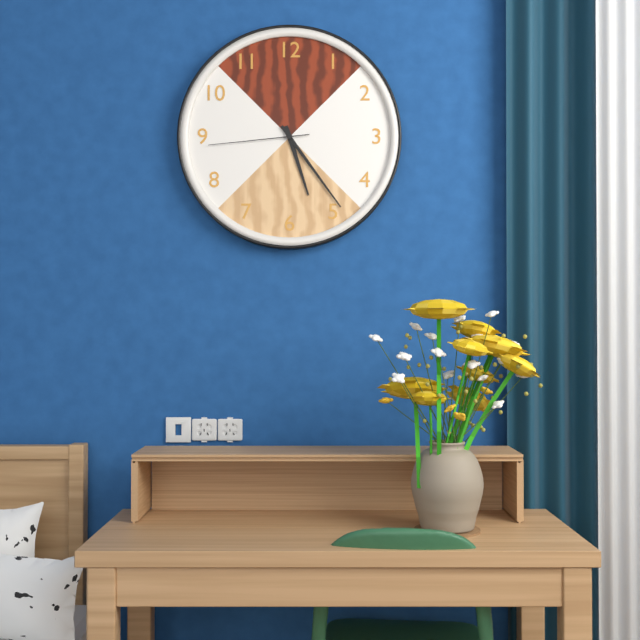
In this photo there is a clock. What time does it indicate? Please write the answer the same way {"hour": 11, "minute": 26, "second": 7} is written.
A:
{"hour": 5, "minute": 24, "second": 44}
